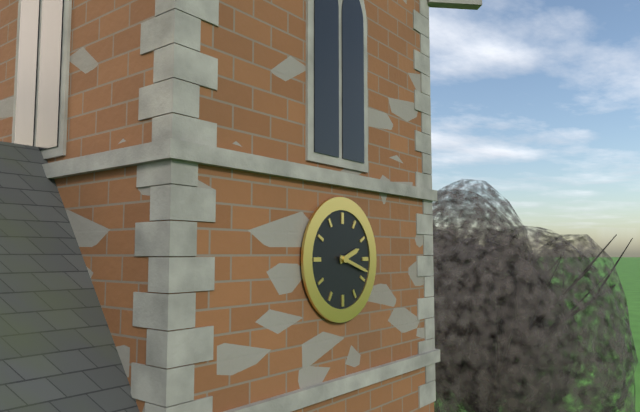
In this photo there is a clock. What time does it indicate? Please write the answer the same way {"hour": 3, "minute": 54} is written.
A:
{"hour": 2, "minute": 18}
